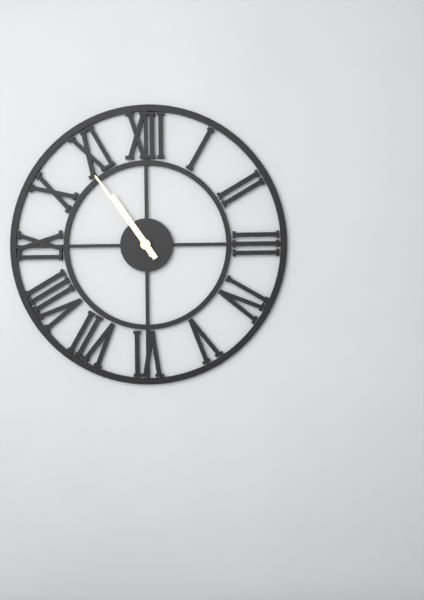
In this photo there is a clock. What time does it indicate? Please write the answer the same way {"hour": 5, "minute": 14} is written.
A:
{"hour": 10, "minute": 54}
